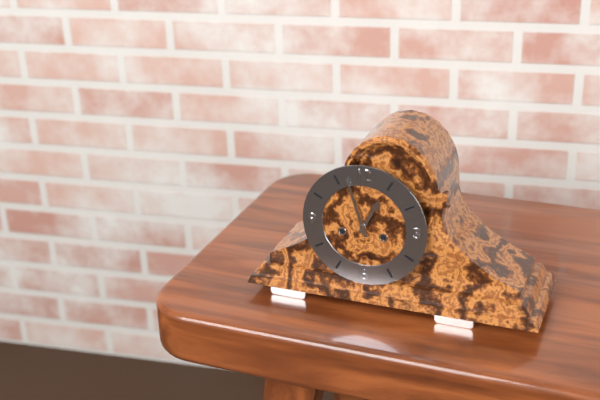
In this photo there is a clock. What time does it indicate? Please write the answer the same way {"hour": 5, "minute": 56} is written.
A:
{"hour": 12, "minute": 57}
